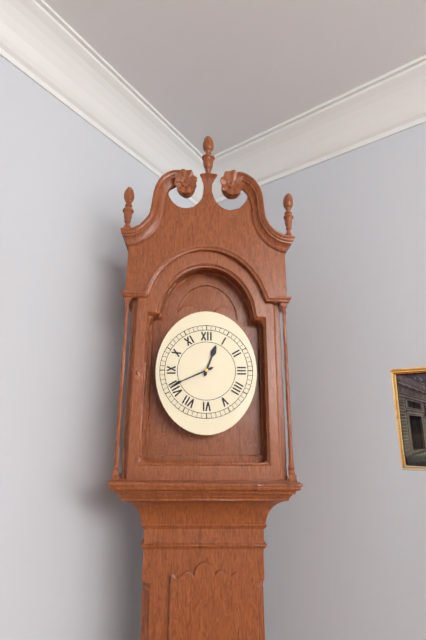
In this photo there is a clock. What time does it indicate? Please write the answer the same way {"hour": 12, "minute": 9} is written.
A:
{"hour": 12, "minute": 41}
